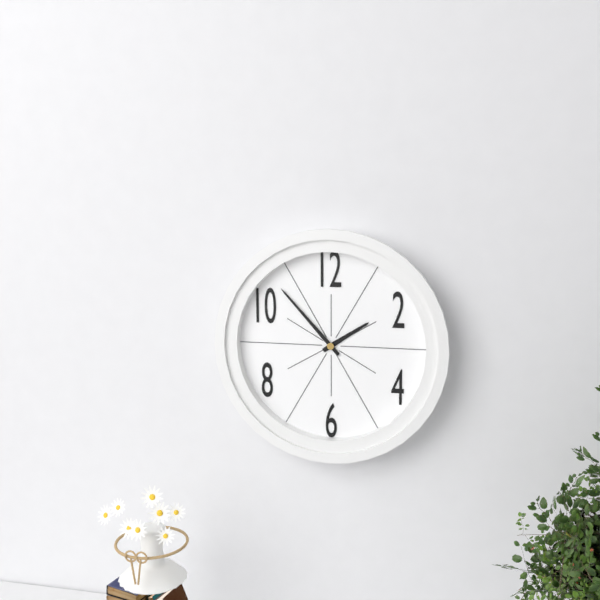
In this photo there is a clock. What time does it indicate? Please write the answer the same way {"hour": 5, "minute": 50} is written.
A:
{"hour": 1, "minute": 53}
